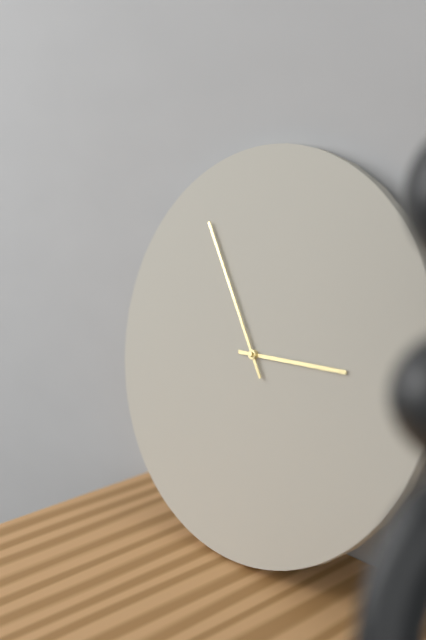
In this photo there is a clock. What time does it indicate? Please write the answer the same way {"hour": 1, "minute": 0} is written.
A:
{"hour": 2, "minute": 54}
